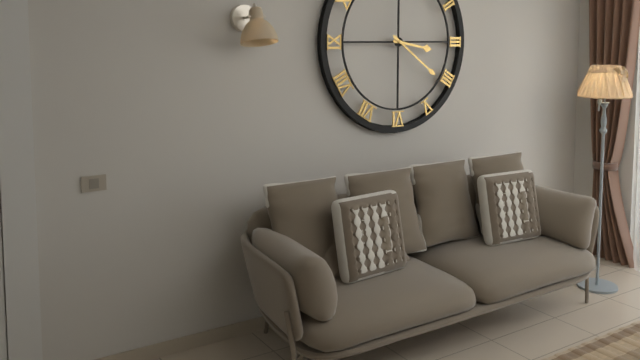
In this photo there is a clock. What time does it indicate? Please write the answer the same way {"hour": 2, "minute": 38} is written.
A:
{"hour": 3, "minute": 21}
